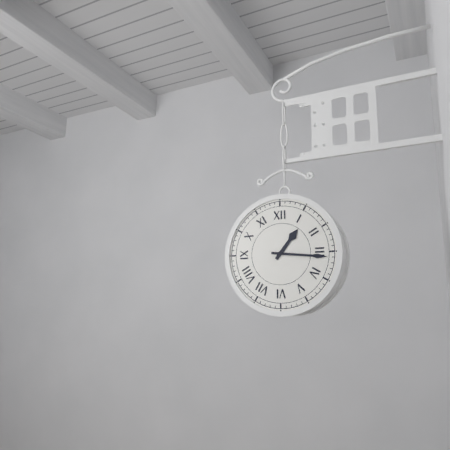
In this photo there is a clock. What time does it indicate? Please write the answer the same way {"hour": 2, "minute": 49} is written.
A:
{"hour": 1, "minute": 16}
